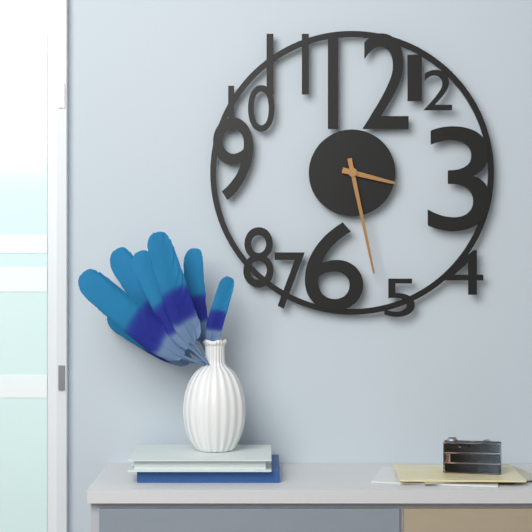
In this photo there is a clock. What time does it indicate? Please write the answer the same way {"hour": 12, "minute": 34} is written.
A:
{"hour": 3, "minute": 28}
